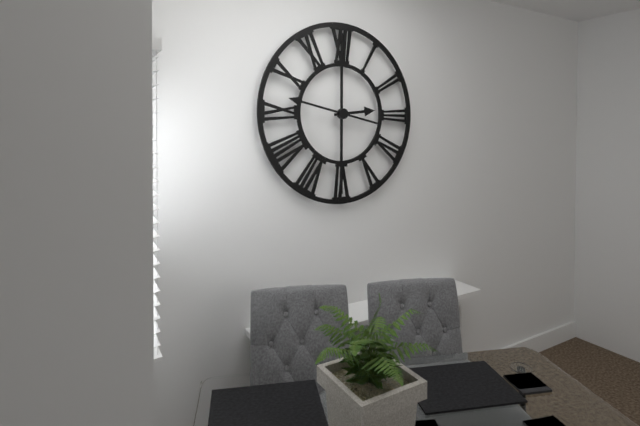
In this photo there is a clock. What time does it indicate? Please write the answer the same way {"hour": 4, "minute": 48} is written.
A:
{"hour": 2, "minute": 47}
